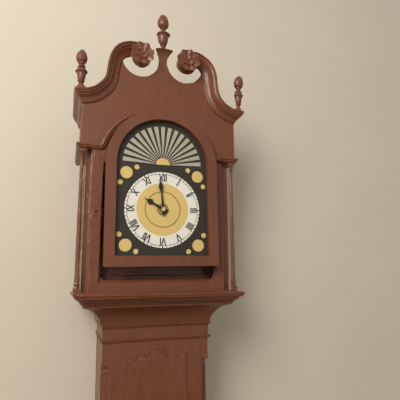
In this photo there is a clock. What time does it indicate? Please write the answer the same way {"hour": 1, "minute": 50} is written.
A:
{"hour": 9, "minute": 59}
